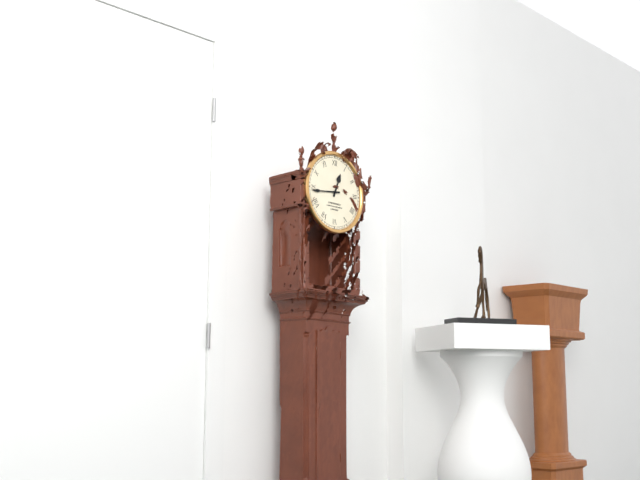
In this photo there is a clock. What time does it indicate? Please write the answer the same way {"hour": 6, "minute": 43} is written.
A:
{"hour": 12, "minute": 44}
